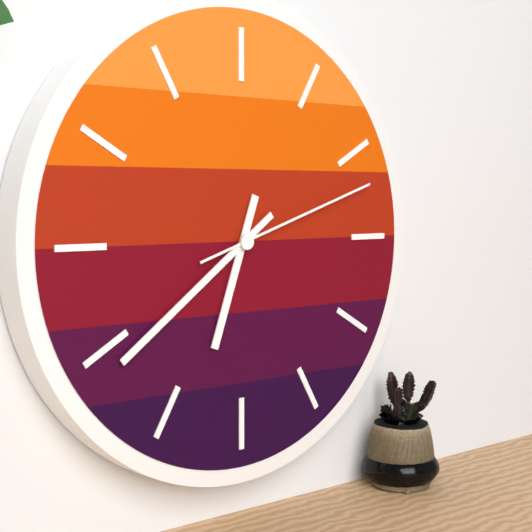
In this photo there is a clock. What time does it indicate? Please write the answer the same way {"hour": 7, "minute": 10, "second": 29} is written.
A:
{"hour": 6, "minute": 39, "second": 12}
